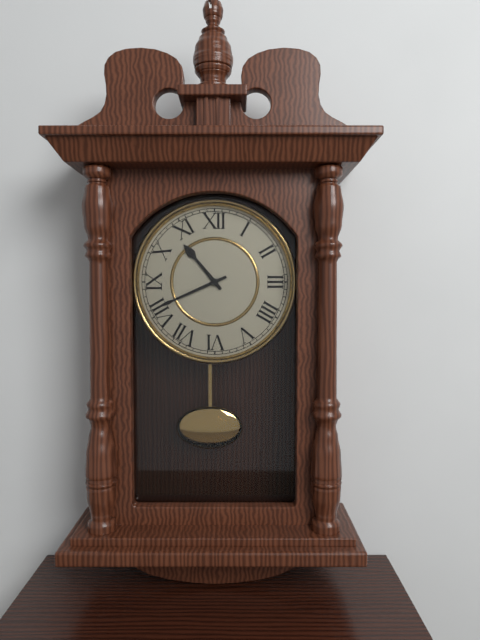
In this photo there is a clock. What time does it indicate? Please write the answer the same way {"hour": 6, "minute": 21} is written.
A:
{"hour": 10, "minute": 41}
